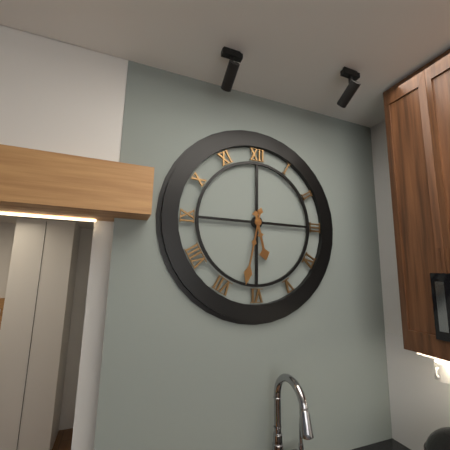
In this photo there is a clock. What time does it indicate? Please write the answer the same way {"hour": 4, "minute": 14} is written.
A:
{"hour": 5, "minute": 32}
